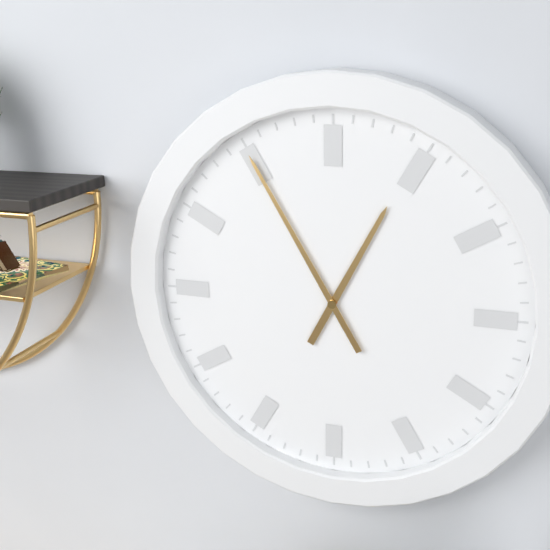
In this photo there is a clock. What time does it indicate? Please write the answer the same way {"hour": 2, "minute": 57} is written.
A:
{"hour": 12, "minute": 55}
